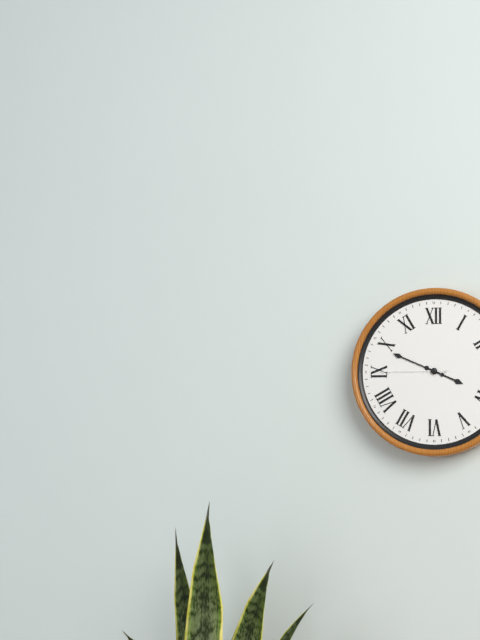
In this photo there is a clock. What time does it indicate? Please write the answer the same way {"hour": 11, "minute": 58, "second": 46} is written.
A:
{"hour": 3, "minute": 49, "second": 45}
